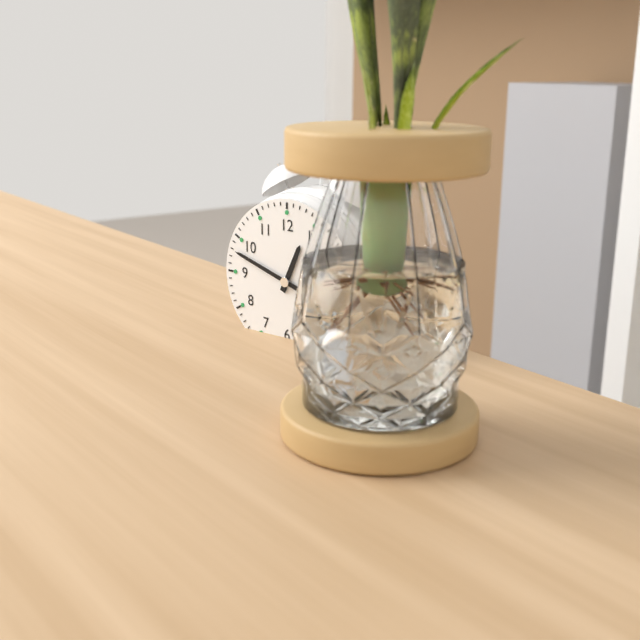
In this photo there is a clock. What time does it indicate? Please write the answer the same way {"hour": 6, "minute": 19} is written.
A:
{"hour": 12, "minute": 48}
